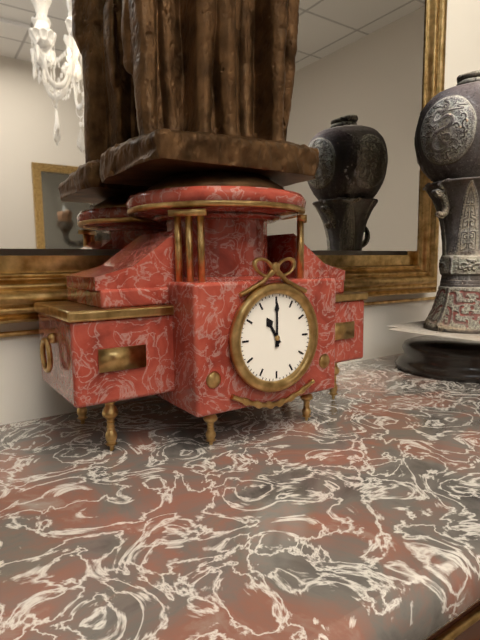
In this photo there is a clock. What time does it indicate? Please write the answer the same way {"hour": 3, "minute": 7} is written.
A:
{"hour": 11, "minute": 0}
